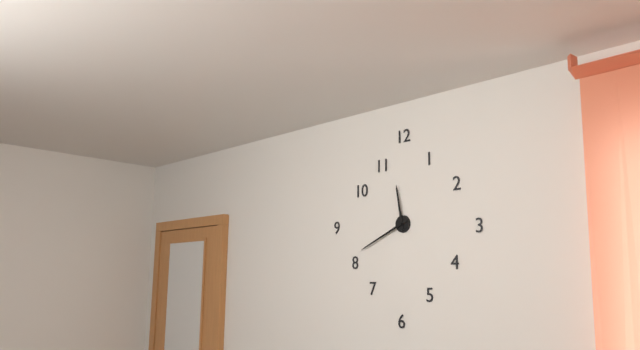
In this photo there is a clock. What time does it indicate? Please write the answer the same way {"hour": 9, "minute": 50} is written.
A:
{"hour": 11, "minute": 41}
